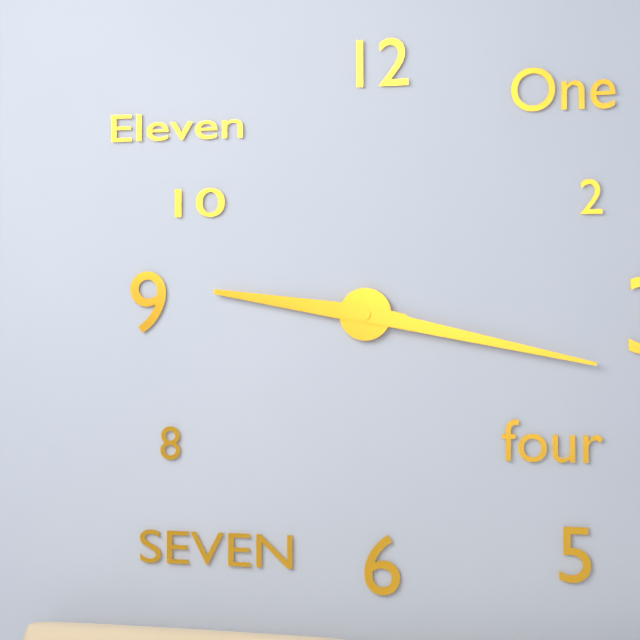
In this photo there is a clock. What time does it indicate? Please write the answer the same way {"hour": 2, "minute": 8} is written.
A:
{"hour": 9, "minute": 17}
